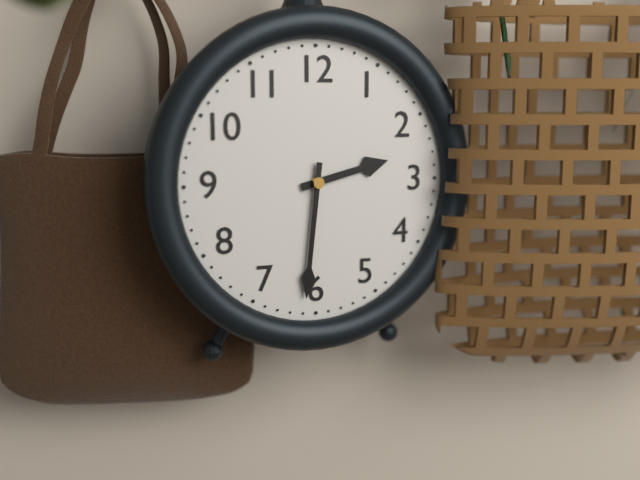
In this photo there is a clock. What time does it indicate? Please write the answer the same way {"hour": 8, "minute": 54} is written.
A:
{"hour": 2, "minute": 31}
